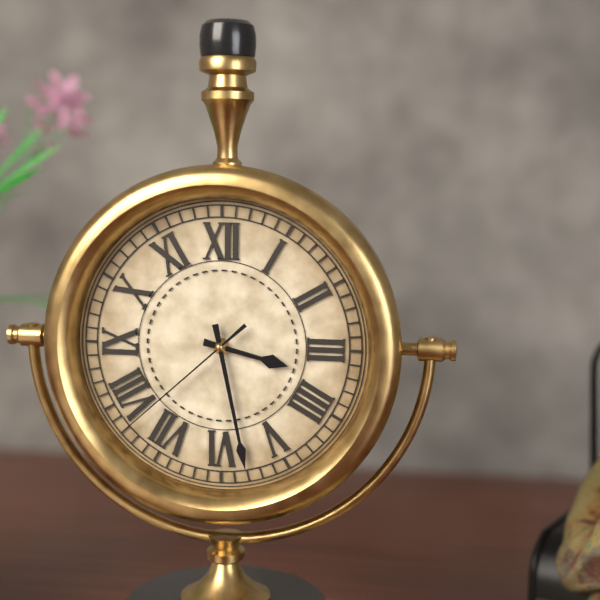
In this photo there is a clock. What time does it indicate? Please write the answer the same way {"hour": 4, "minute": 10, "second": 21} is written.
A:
{"hour": 3, "minute": 28, "second": 38}
